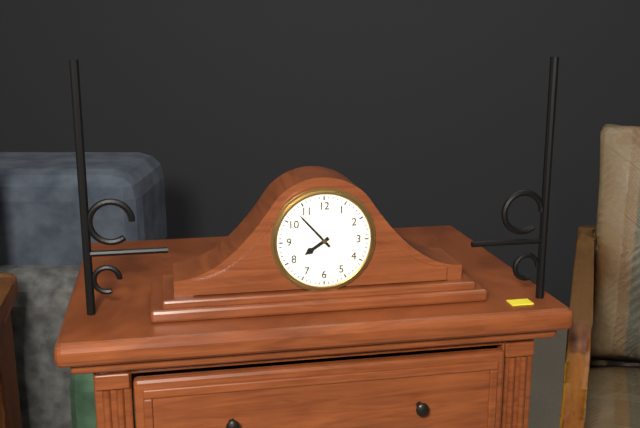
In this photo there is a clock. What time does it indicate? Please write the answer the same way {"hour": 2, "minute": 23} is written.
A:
{"hour": 7, "minute": 53}
